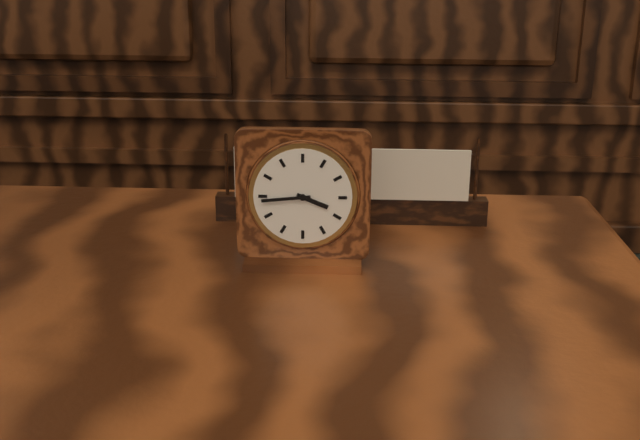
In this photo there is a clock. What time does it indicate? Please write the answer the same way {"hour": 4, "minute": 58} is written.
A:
{"hour": 3, "minute": 44}
